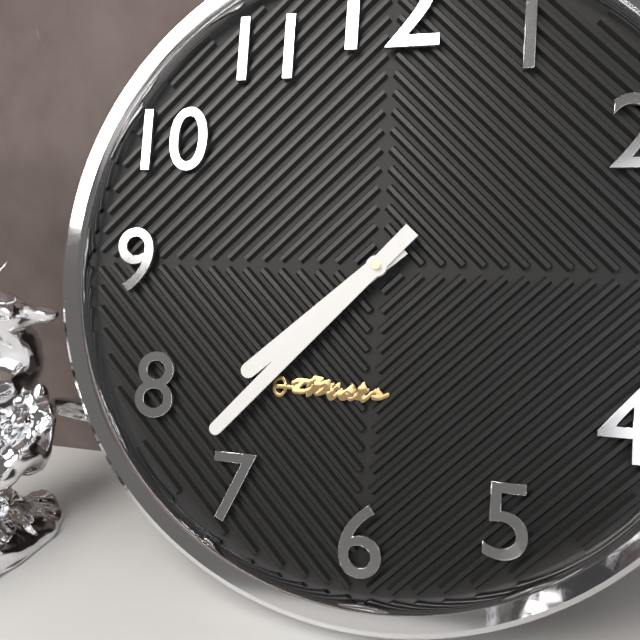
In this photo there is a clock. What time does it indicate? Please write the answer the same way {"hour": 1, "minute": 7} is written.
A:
{"hour": 7, "minute": 37}
